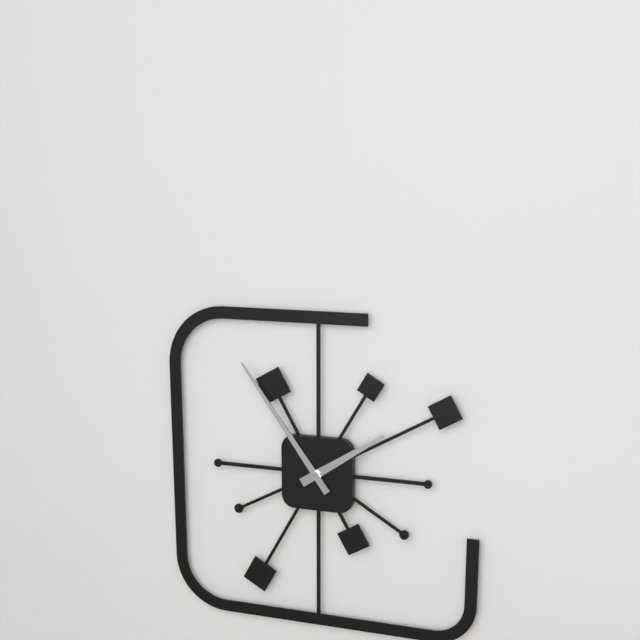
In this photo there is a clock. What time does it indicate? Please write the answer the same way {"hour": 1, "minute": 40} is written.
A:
{"hour": 1, "minute": 54}
